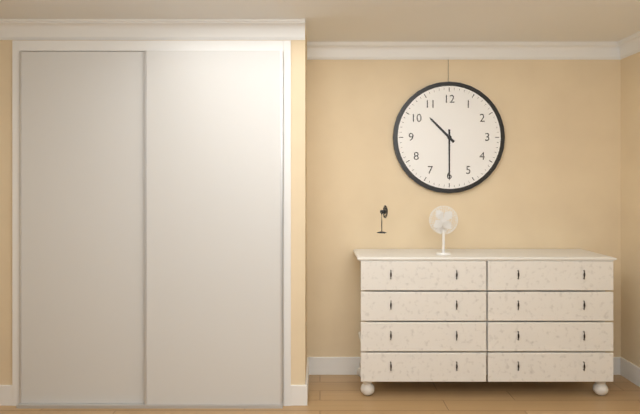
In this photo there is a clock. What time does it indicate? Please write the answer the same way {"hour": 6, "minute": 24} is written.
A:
{"hour": 10, "minute": 30}
